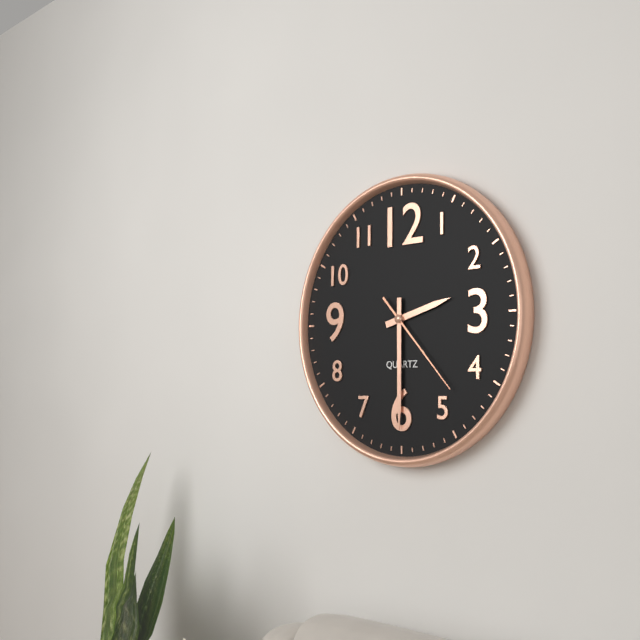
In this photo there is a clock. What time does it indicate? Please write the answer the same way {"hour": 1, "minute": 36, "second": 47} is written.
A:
{"hour": 2, "minute": 30, "second": 23}
